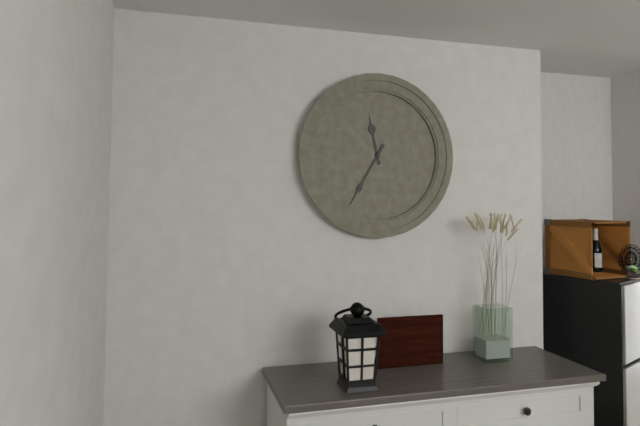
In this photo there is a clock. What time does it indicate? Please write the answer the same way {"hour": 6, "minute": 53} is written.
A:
{"hour": 11, "minute": 35}
